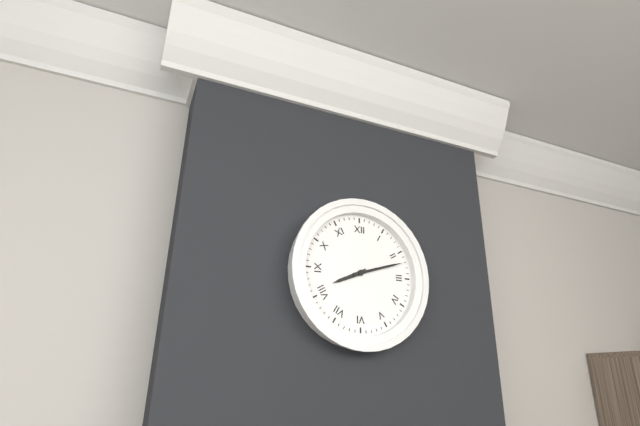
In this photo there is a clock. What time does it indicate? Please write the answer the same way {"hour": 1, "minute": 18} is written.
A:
{"hour": 8, "minute": 12}
